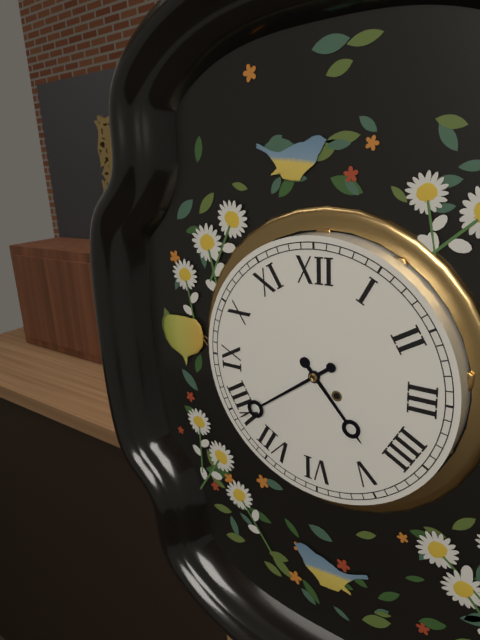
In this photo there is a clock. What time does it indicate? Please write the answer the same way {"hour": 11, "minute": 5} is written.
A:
{"hour": 4, "minute": 39}
